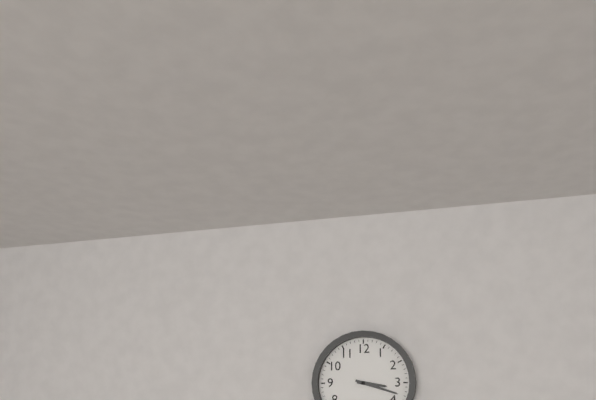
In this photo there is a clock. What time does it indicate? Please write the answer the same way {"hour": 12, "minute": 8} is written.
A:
{"hour": 3, "minute": 18}
